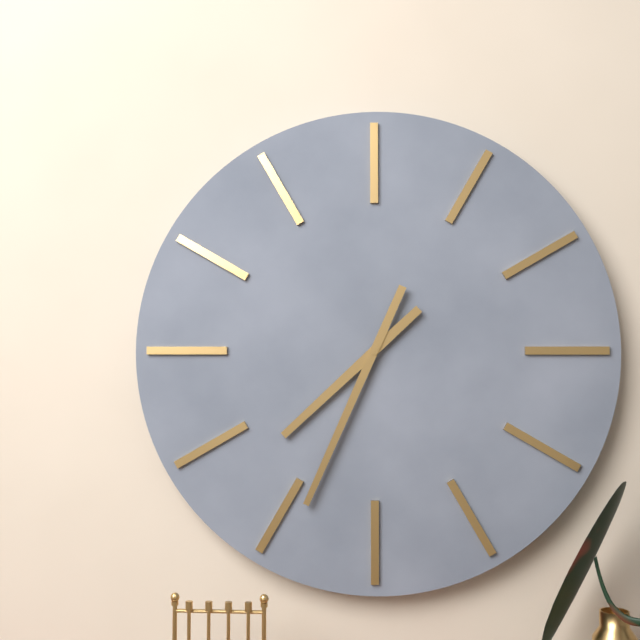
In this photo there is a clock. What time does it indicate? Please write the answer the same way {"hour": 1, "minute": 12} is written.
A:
{"hour": 7, "minute": 34}
